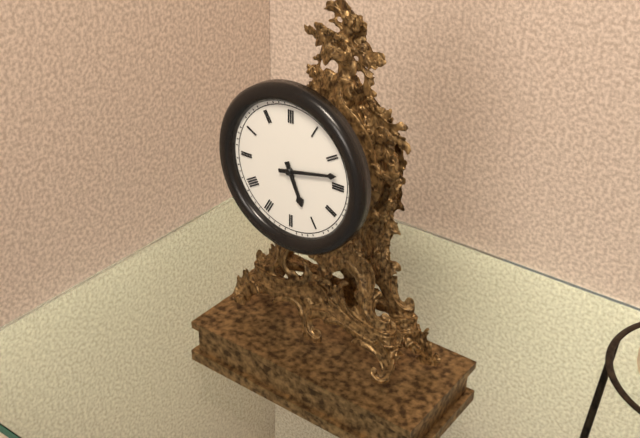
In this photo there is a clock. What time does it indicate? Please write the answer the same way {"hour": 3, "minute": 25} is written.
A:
{"hour": 5, "minute": 13}
